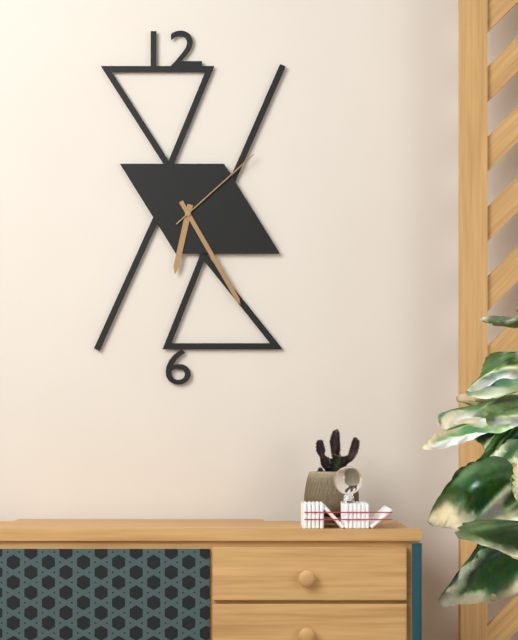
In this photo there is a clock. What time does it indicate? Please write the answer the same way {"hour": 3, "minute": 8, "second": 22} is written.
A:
{"hour": 6, "minute": 25, "second": 8}
